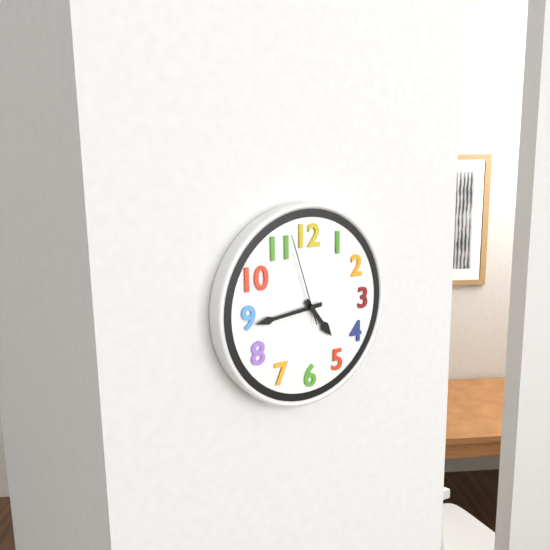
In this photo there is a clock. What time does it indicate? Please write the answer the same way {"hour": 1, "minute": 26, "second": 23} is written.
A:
{"hour": 4, "minute": 44, "second": 57}
